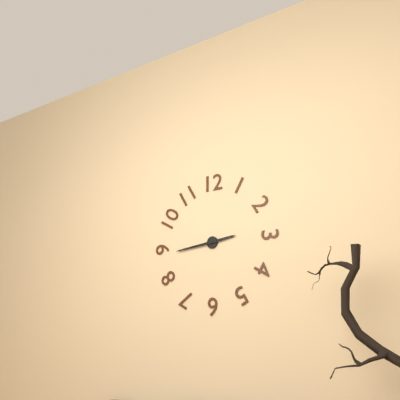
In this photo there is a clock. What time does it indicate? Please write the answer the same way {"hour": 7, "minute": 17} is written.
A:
{"hour": 2, "minute": 44}
